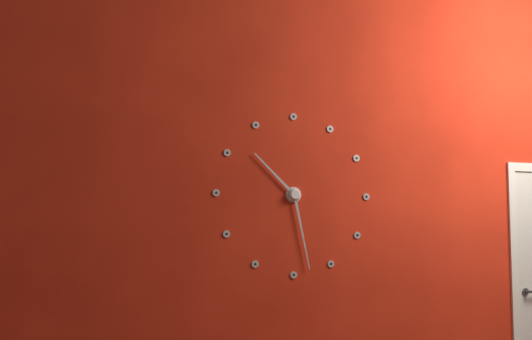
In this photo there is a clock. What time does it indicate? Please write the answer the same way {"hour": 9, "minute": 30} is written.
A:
{"hour": 10, "minute": 28}
